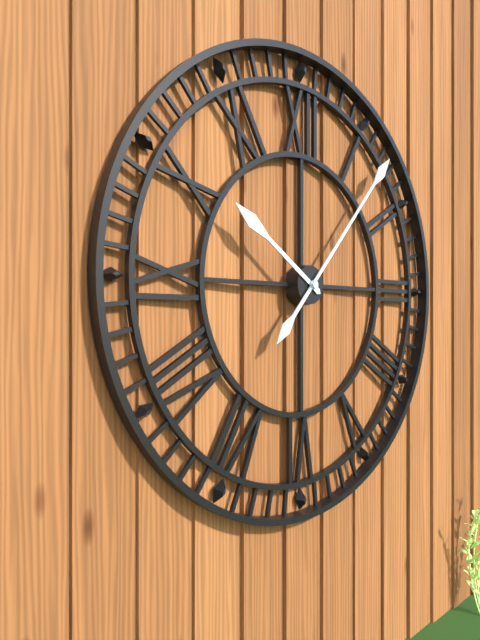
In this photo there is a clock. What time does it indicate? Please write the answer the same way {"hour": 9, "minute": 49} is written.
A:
{"hour": 10, "minute": 7}
